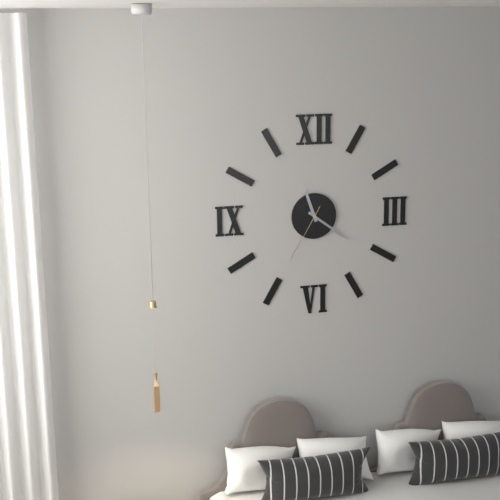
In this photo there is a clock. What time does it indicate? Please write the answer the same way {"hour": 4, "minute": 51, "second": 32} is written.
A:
{"hour": 11, "minute": 21, "second": 35}
